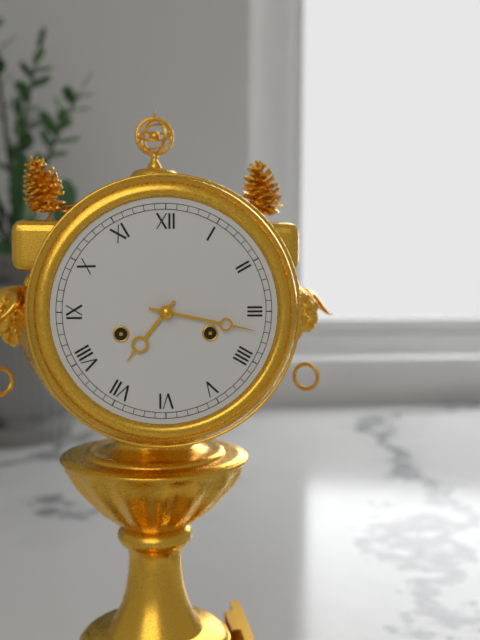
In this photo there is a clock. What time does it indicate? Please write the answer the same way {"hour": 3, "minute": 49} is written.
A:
{"hour": 7, "minute": 17}
